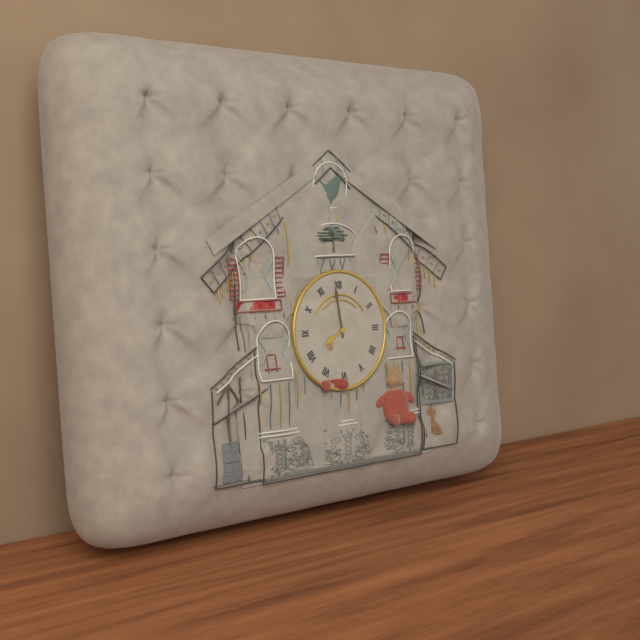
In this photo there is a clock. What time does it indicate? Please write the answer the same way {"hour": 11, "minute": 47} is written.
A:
{"hour": 7, "minute": 59}
